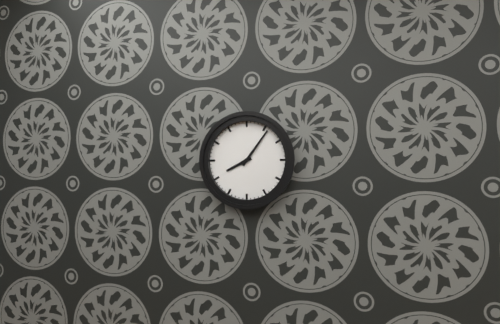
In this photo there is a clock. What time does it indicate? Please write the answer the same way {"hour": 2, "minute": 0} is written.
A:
{"hour": 8, "minute": 6}
